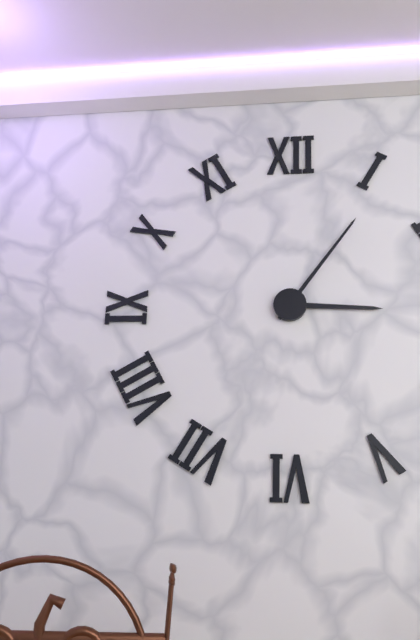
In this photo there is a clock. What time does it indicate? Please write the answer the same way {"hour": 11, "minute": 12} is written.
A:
{"hour": 3, "minute": 6}
